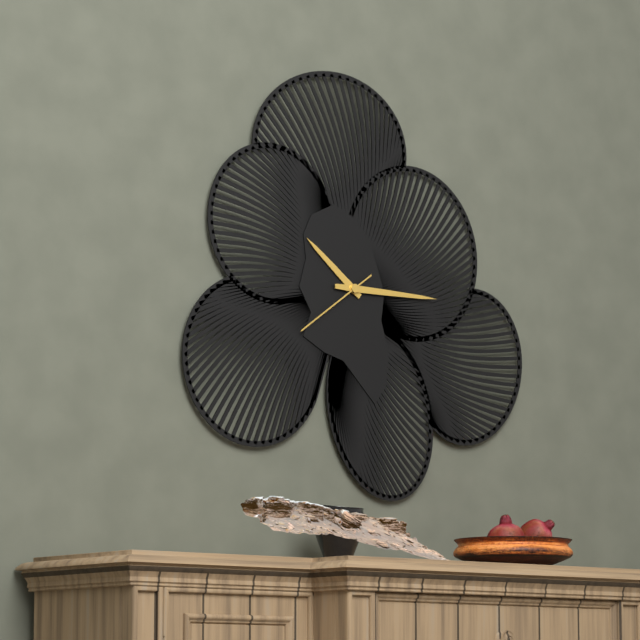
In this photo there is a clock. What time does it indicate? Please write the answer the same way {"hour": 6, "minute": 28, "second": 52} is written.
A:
{"hour": 10, "minute": 15, "second": 39}
